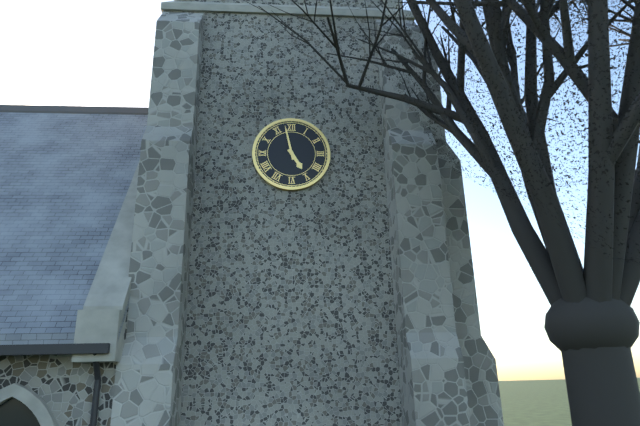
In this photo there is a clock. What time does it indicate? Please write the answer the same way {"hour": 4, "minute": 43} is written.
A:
{"hour": 4, "minute": 58}
